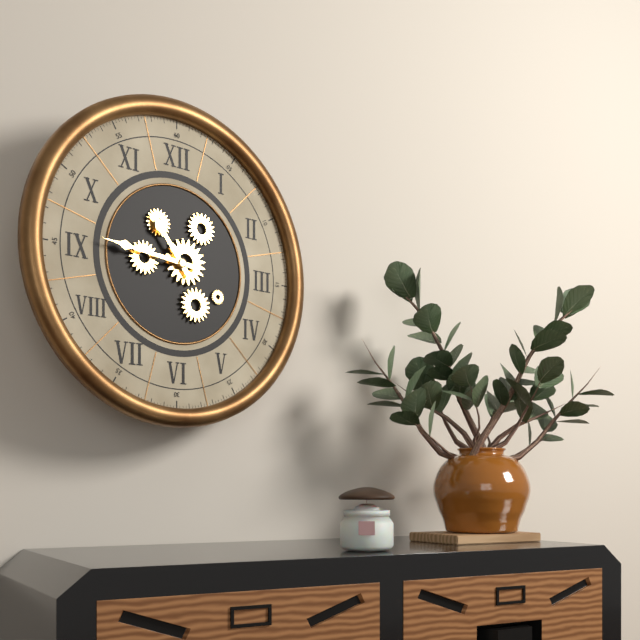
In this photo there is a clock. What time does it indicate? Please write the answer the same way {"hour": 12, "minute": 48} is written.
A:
{"hour": 10, "minute": 46}
